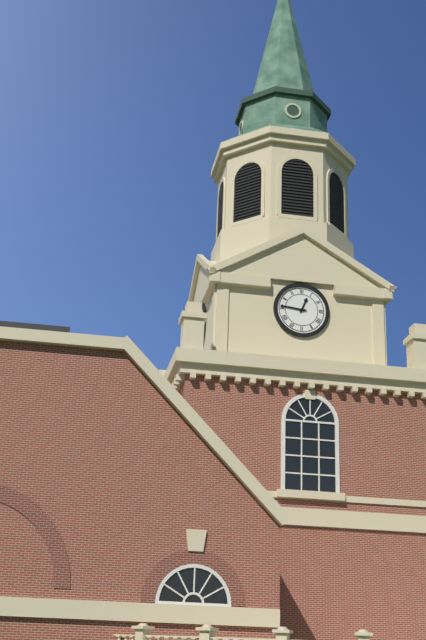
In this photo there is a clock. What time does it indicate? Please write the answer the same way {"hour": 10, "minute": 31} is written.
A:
{"hour": 12, "minute": 46}
